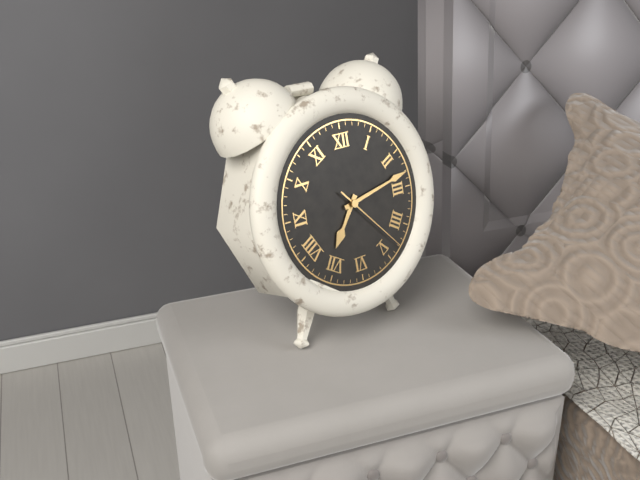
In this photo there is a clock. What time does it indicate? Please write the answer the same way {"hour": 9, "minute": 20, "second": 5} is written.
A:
{"hour": 7, "minute": 13, "second": 23}
